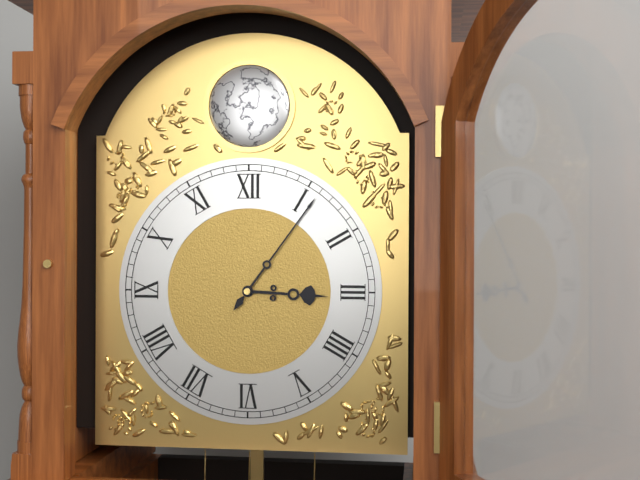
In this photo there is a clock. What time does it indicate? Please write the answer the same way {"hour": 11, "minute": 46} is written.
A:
{"hour": 3, "minute": 6}
